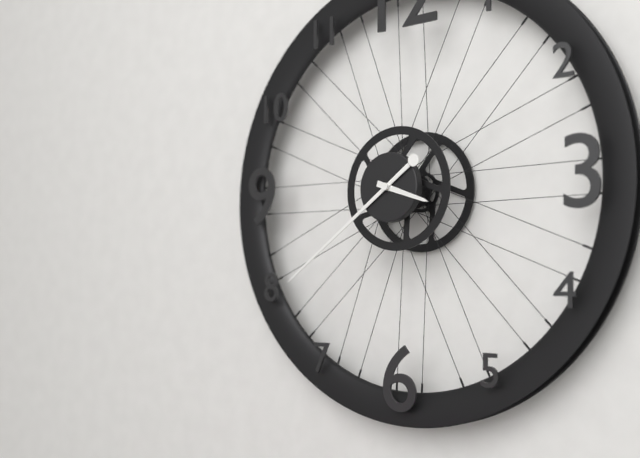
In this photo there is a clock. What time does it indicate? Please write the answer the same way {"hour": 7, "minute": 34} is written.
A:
{"hour": 3, "minute": 39}
